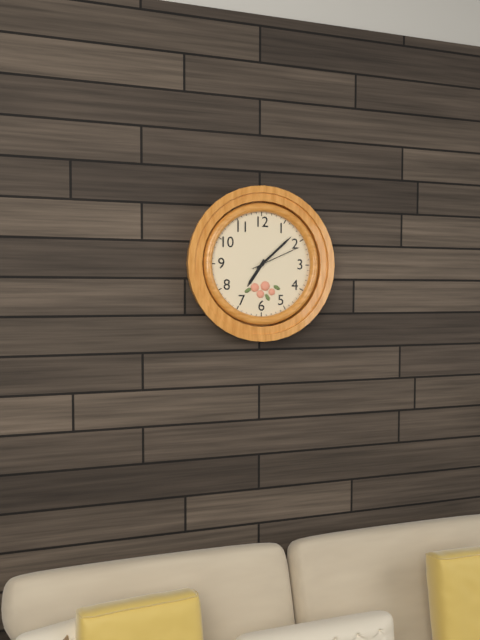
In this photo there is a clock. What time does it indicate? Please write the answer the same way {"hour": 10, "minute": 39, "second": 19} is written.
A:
{"hour": 7, "minute": 8, "second": 11}
